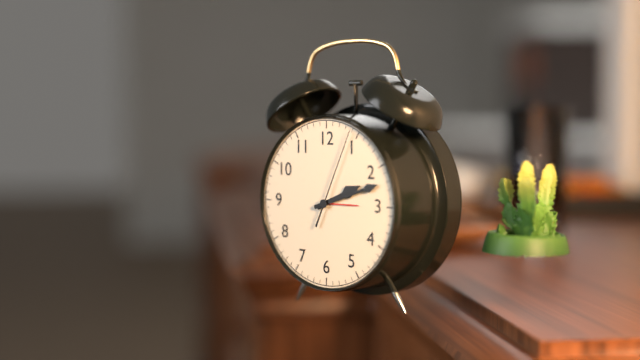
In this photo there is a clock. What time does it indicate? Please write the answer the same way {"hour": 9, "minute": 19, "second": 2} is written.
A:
{"hour": 2, "minute": 12, "second": 4}
